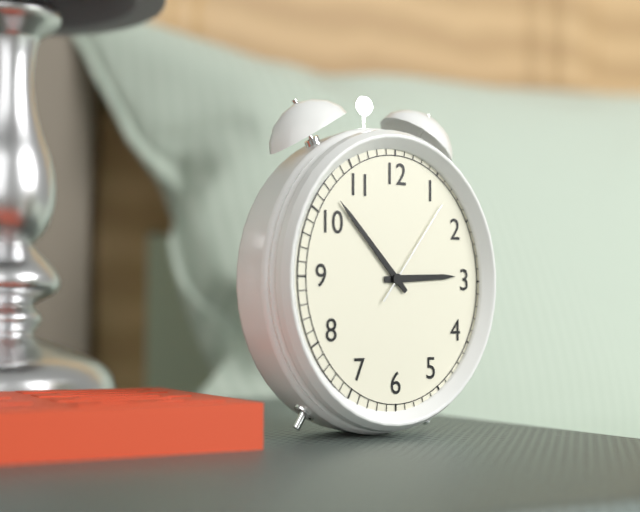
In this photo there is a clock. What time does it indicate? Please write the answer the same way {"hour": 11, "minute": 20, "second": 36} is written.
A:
{"hour": 2, "minute": 53, "second": 6}
